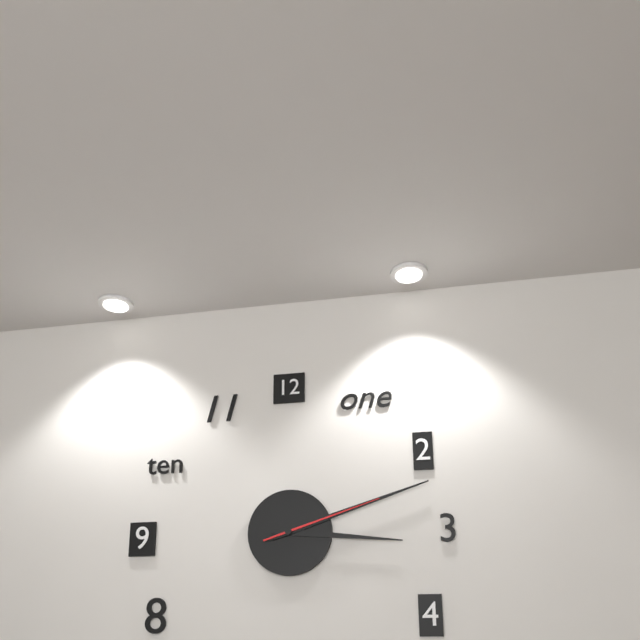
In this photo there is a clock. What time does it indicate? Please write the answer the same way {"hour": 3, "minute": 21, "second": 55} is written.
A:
{"hour": 3, "minute": 12, "second": 12}
